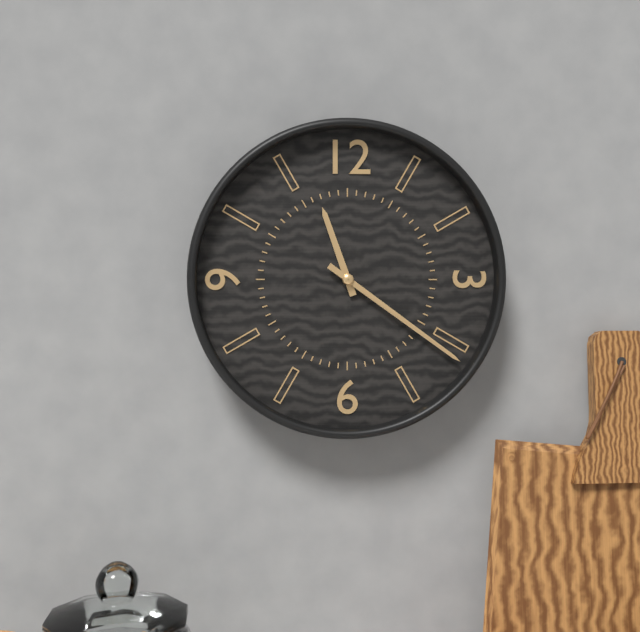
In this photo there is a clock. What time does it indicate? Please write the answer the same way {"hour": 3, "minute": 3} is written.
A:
{"hour": 11, "minute": 21}
